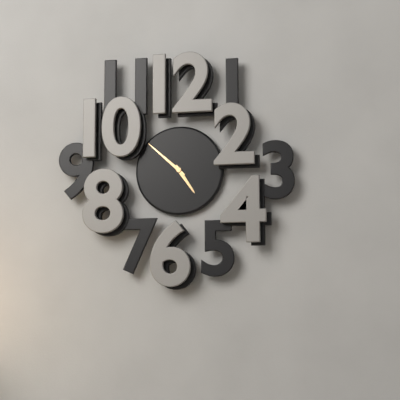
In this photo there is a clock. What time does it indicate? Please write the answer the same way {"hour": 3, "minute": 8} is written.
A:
{"hour": 4, "minute": 52}
